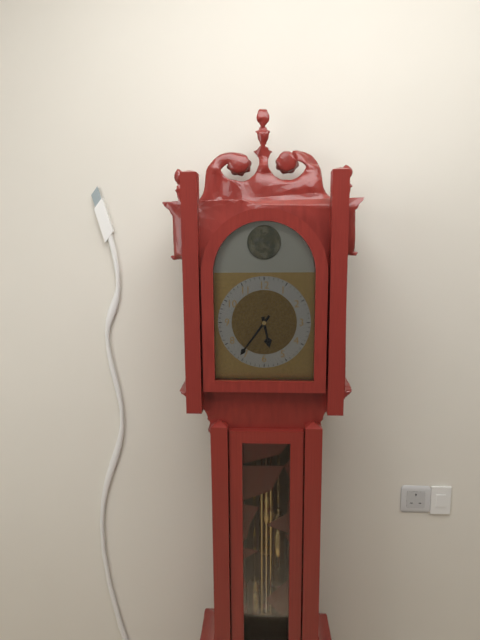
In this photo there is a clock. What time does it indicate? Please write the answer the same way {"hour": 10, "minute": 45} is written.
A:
{"hour": 5, "minute": 36}
